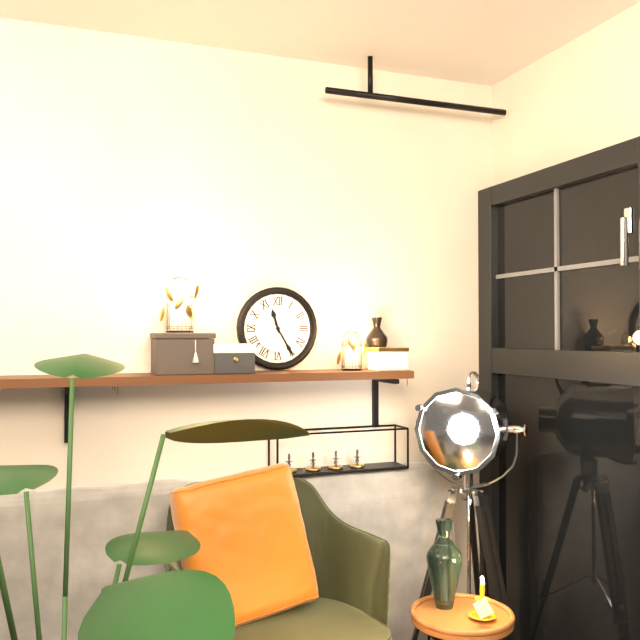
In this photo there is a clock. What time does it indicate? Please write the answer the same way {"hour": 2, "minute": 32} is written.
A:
{"hour": 11, "minute": 25}
